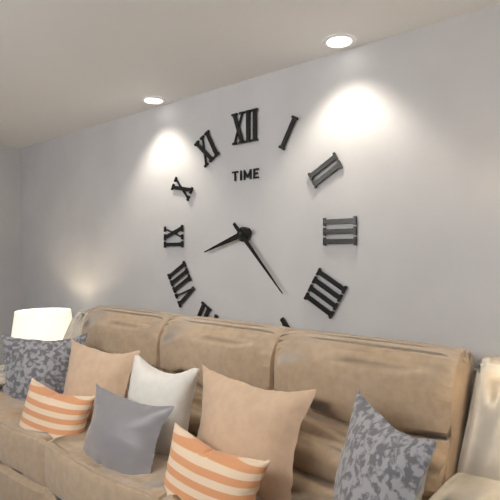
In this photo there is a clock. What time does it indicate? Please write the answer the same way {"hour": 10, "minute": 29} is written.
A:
{"hour": 8, "minute": 23}
